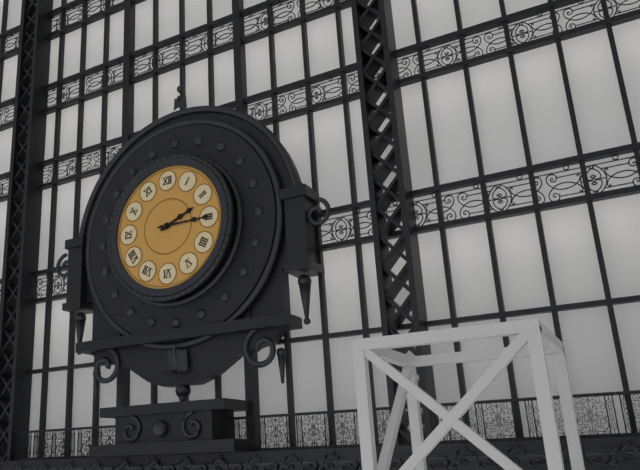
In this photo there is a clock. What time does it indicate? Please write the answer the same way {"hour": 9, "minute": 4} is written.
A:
{"hour": 2, "minute": 15}
